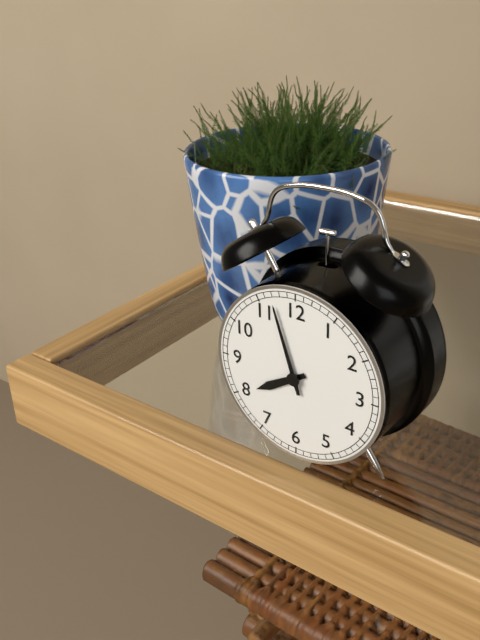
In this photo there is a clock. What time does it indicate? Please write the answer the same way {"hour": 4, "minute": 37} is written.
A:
{"hour": 7, "minute": 57}
